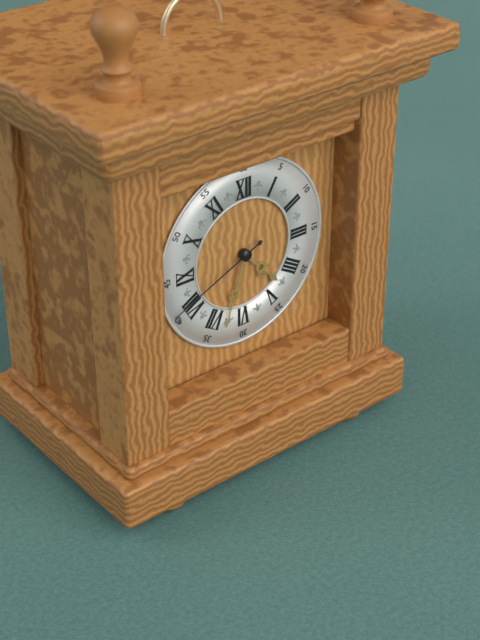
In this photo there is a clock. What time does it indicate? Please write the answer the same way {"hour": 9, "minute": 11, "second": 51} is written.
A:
{"hour": 4, "minute": 33, "second": 41}
